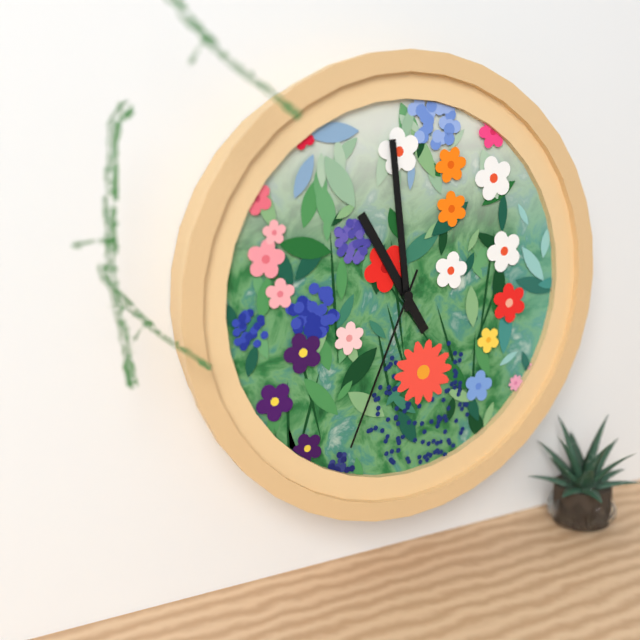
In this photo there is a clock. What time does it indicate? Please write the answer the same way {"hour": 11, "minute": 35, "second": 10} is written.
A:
{"hour": 10, "minute": 59, "second": 34}
